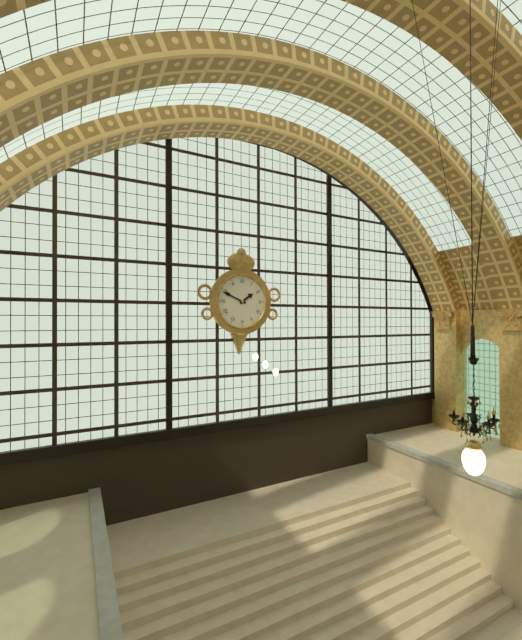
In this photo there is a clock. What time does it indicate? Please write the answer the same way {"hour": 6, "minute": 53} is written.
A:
{"hour": 1, "minute": 49}
